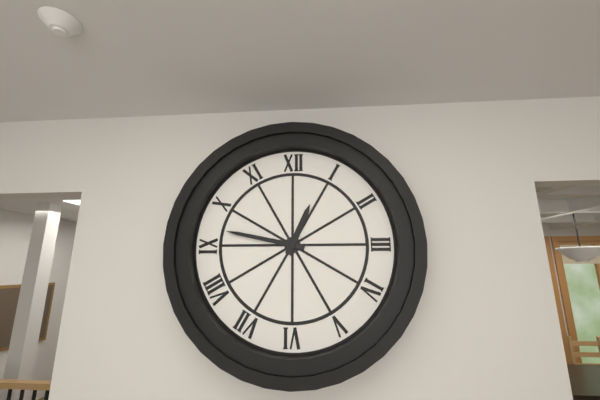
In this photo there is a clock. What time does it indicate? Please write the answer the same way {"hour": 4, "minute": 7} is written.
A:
{"hour": 12, "minute": 47}
